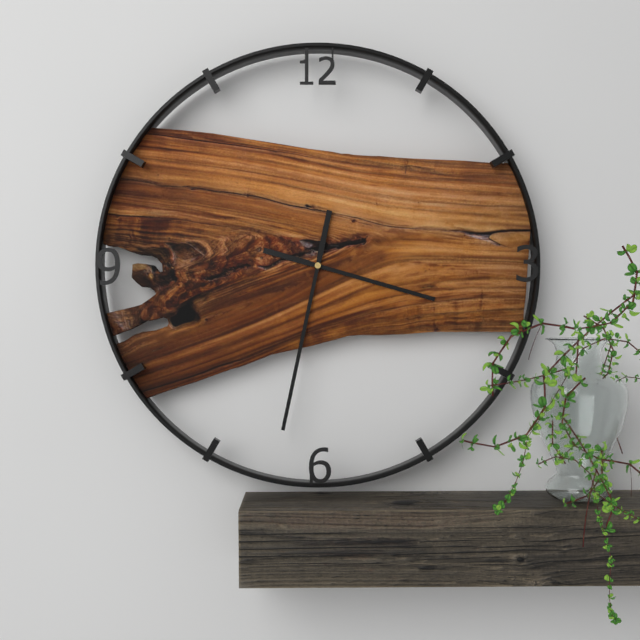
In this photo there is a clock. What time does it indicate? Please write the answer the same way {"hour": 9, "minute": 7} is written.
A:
{"hour": 3, "minute": 32}
